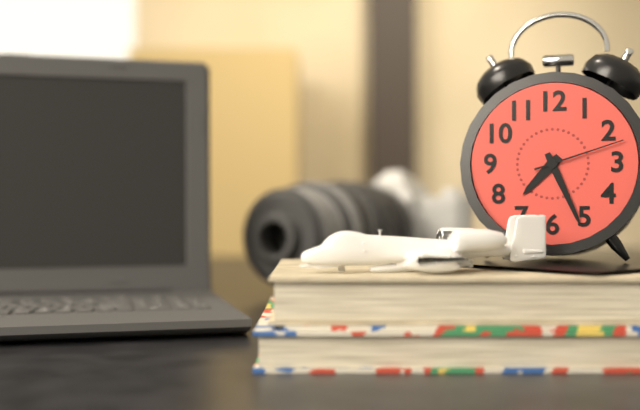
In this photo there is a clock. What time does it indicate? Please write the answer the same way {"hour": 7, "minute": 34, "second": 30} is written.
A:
{"hour": 7, "minute": 26, "second": 12}
